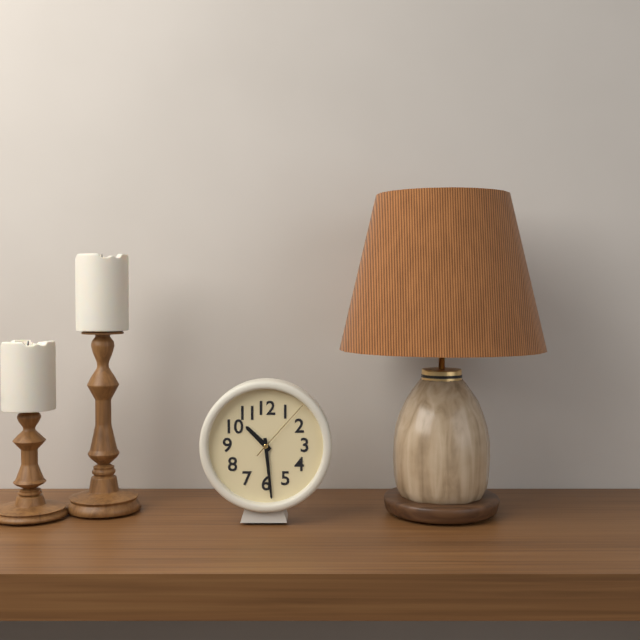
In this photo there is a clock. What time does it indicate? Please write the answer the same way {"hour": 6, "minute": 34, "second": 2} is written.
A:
{"hour": 10, "minute": 29, "second": 7}
